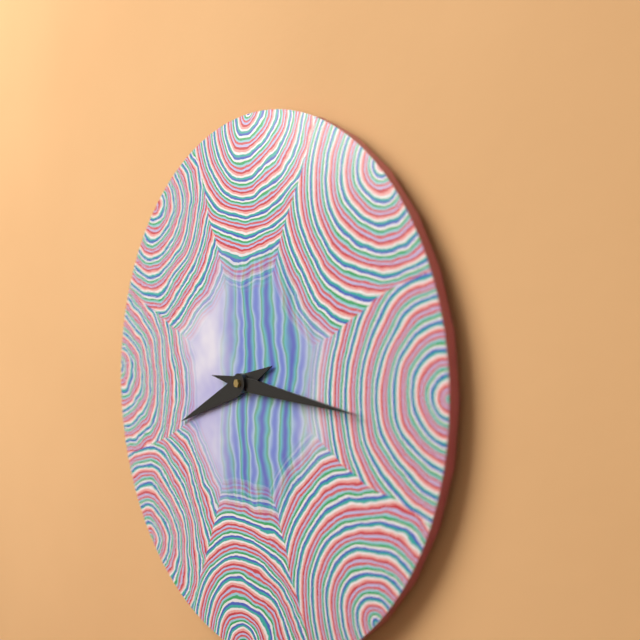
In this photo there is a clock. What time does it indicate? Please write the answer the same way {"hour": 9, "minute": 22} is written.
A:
{"hour": 8, "minute": 16}
